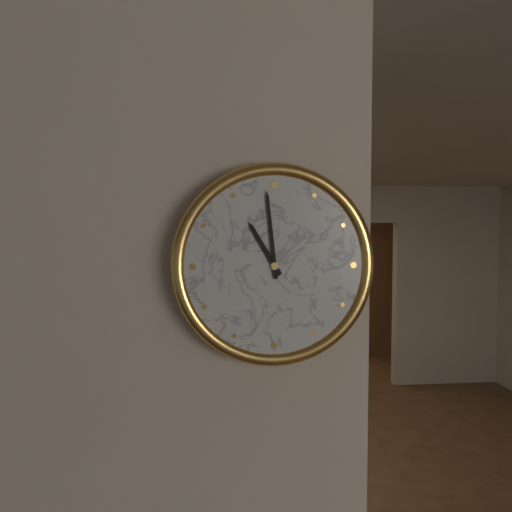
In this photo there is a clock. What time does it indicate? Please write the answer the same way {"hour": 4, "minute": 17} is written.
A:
{"hour": 10, "minute": 59}
